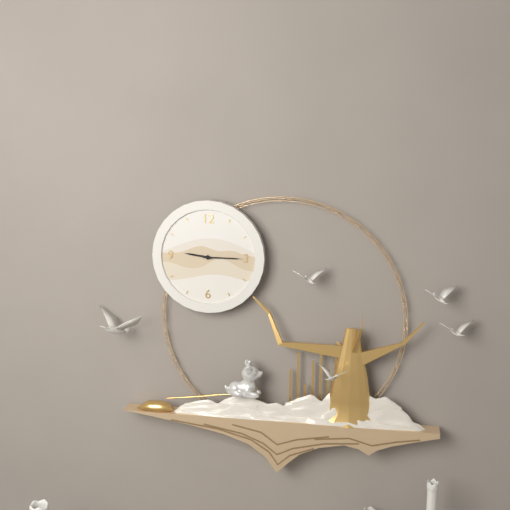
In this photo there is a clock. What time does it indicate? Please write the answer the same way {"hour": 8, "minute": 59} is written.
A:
{"hour": 9, "minute": 15}
